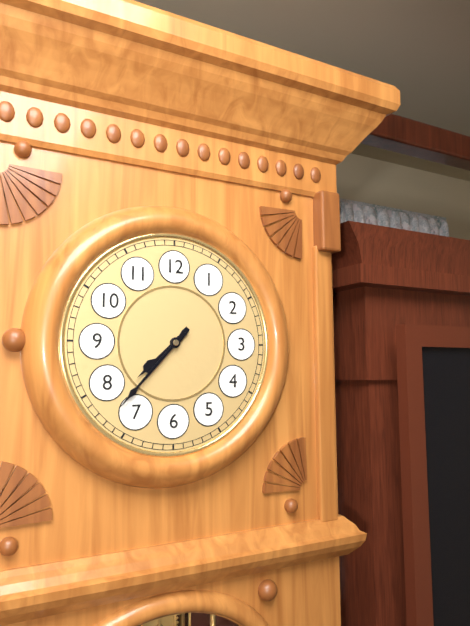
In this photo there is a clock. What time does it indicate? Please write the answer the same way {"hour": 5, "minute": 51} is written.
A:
{"hour": 7, "minute": 37}
